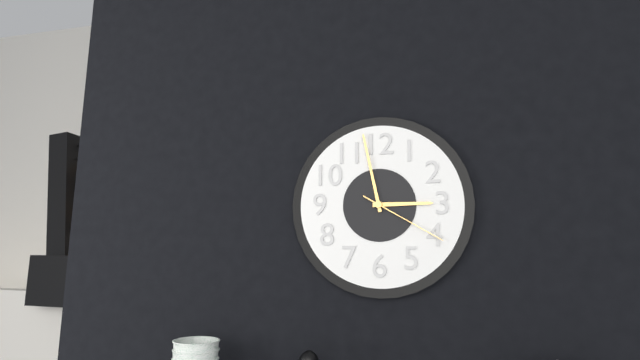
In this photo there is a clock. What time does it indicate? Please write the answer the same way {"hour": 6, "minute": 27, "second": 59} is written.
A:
{"hour": 2, "minute": 58, "second": 20}
